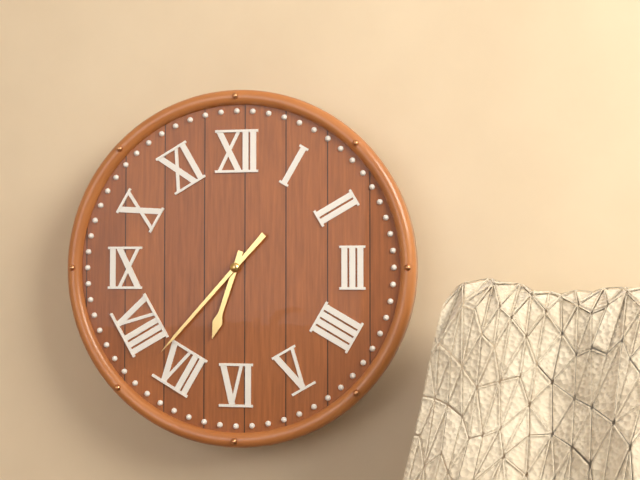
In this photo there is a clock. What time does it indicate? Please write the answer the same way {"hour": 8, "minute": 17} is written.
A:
{"hour": 6, "minute": 37}
